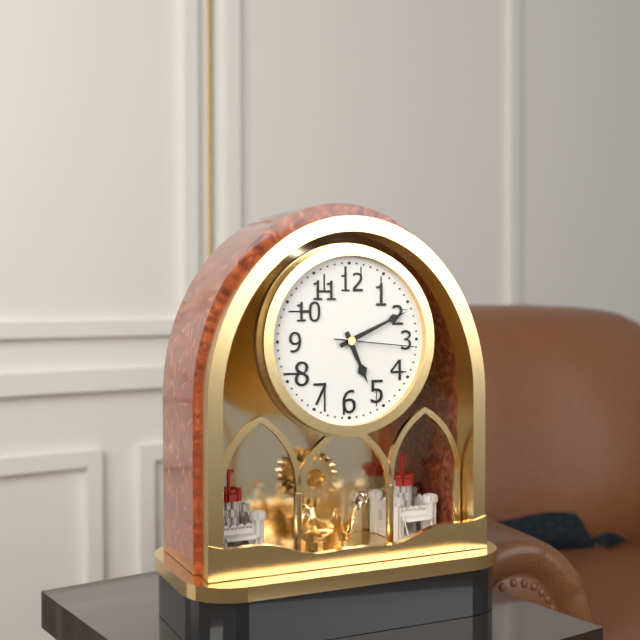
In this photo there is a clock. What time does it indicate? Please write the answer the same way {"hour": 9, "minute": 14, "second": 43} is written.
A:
{"hour": 5, "minute": 11, "second": 16}
